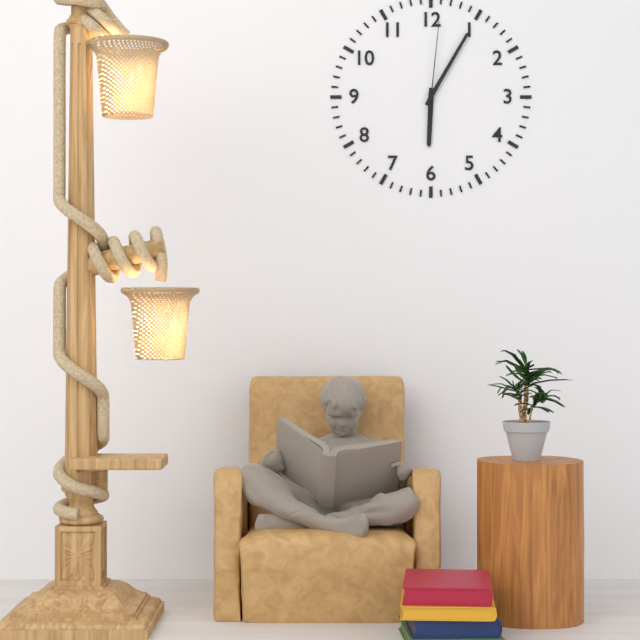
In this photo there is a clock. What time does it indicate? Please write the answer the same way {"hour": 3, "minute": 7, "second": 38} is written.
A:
{"hour": 6, "minute": 5, "second": 1}
